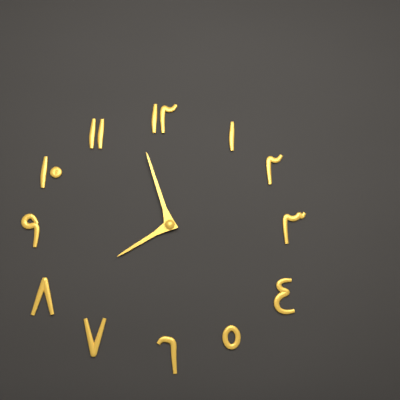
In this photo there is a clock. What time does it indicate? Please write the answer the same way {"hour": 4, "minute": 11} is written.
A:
{"hour": 7, "minute": 57}
